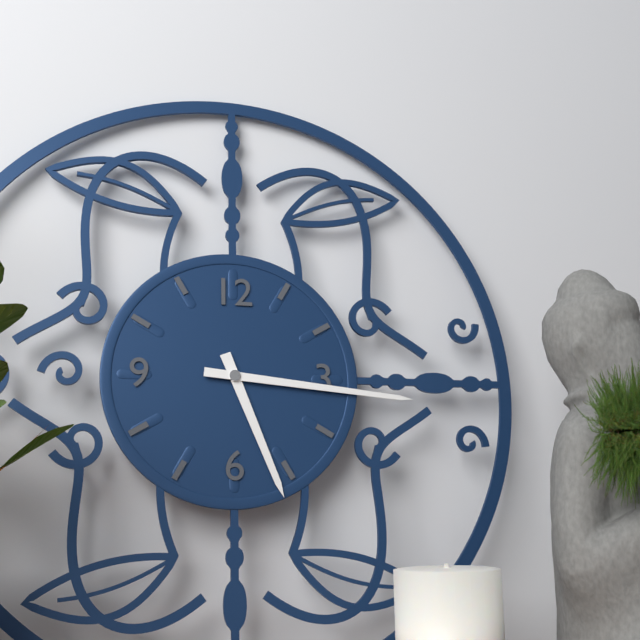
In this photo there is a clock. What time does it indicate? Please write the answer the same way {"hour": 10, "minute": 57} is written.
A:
{"hour": 5, "minute": 16}
